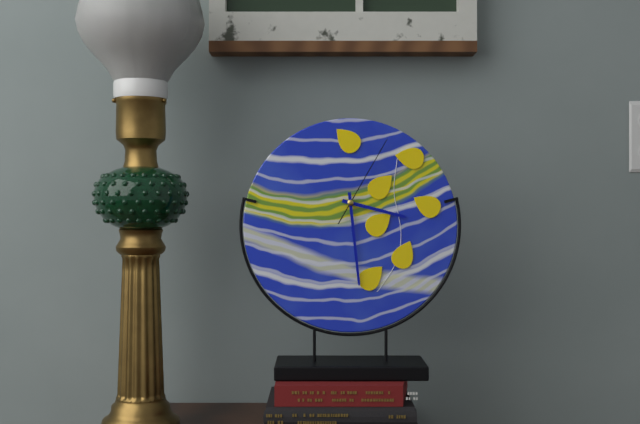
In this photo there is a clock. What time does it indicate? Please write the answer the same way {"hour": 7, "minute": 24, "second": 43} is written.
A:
{"hour": 3, "minute": 29, "second": 5}
